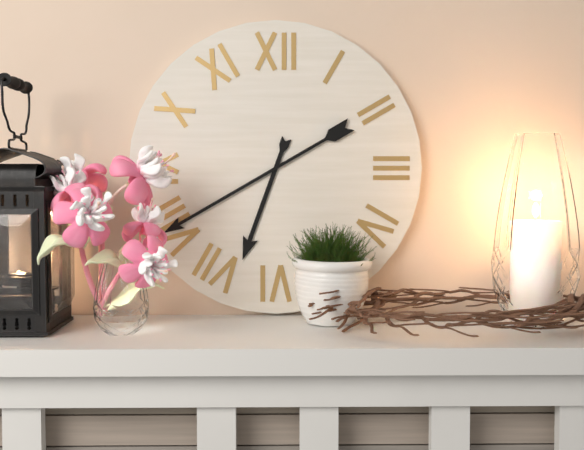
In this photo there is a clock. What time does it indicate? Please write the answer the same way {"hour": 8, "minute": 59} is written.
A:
{"hour": 6, "minute": 40}
